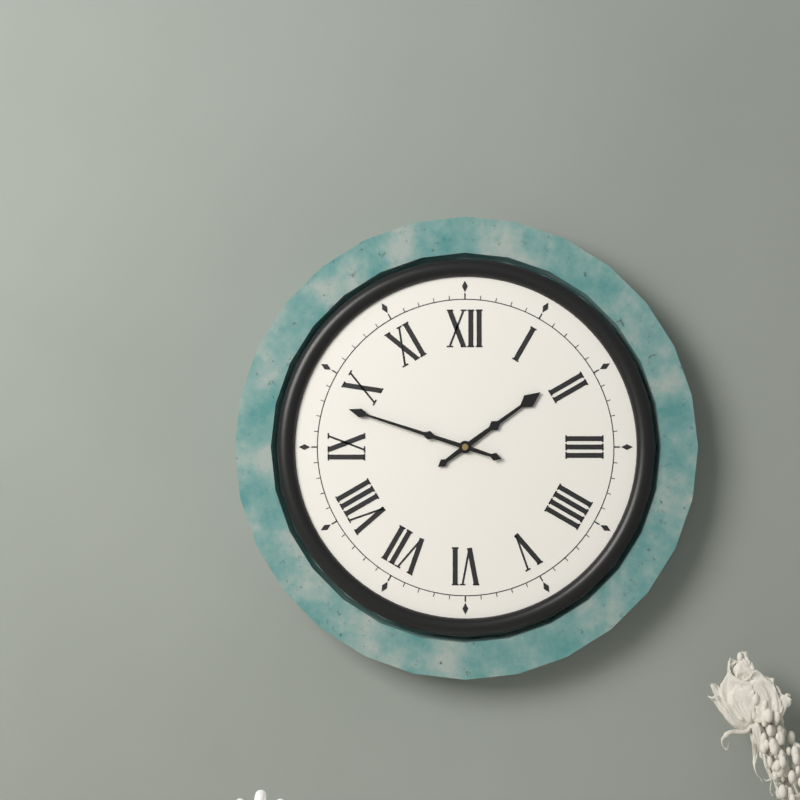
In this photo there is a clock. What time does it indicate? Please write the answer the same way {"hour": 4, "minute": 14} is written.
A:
{"hour": 1, "minute": 48}
